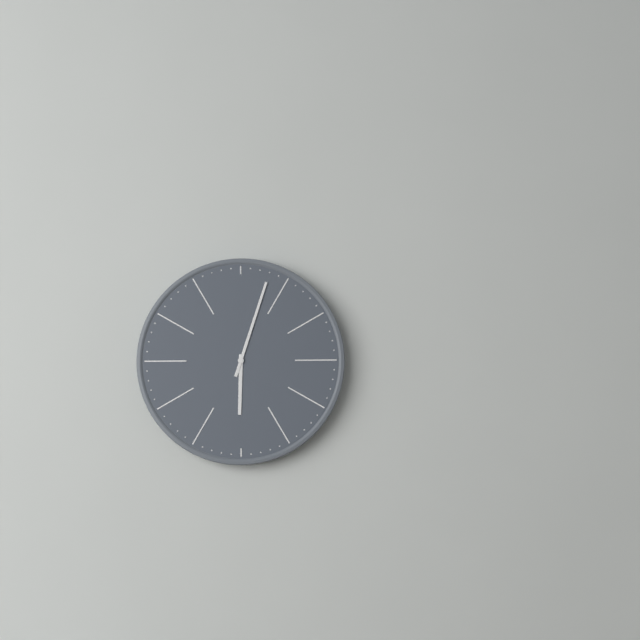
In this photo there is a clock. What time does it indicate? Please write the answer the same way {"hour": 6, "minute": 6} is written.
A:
{"hour": 6, "minute": 3}
